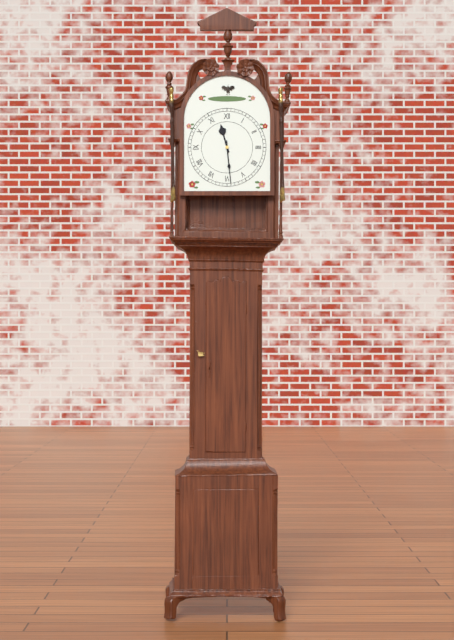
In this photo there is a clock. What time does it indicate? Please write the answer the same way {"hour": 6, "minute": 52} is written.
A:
{"hour": 11, "minute": 29}
